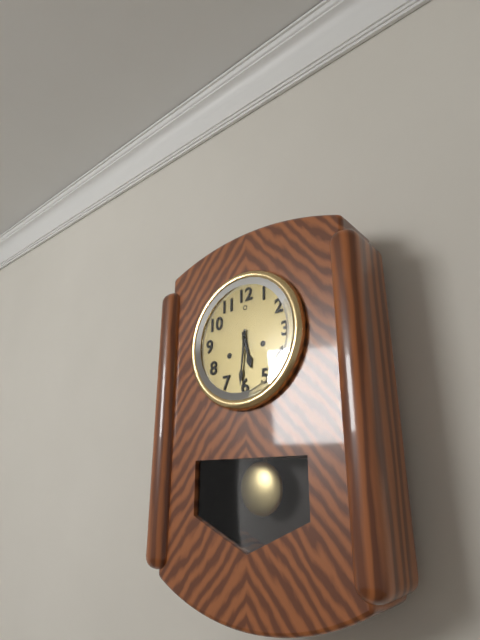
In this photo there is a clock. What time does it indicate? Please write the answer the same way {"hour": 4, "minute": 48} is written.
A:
{"hour": 5, "minute": 31}
